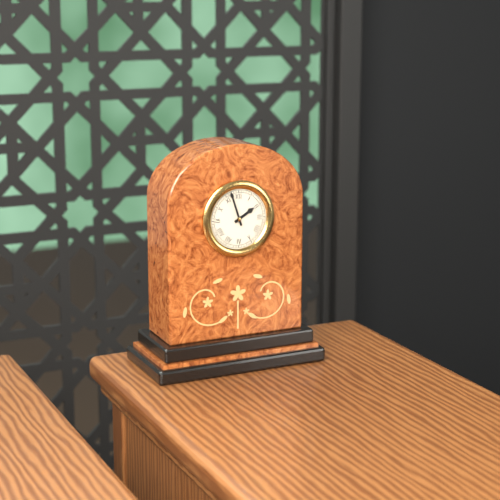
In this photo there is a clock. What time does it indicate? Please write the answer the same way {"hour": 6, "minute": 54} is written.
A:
{"hour": 1, "minute": 57}
